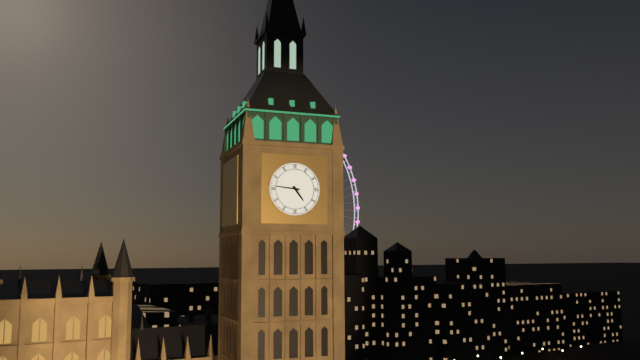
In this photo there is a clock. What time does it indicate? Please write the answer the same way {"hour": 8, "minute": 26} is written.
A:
{"hour": 4, "minute": 46}
